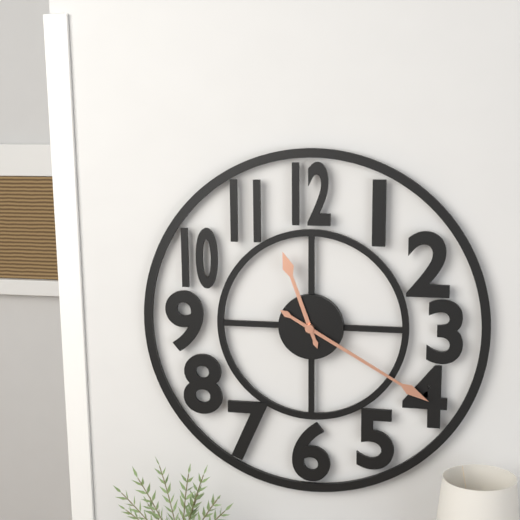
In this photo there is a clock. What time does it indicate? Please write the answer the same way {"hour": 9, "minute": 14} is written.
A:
{"hour": 11, "minute": 20}
